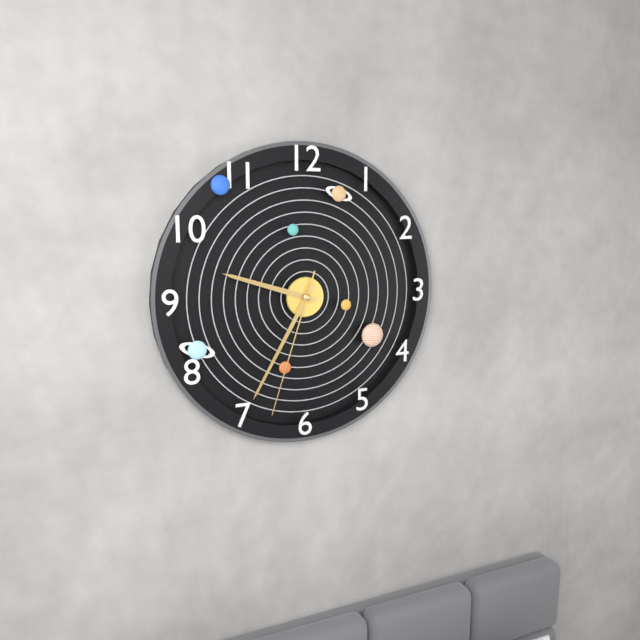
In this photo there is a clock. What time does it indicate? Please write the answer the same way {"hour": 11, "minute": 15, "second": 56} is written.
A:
{"hour": 9, "minute": 35, "second": 33}
